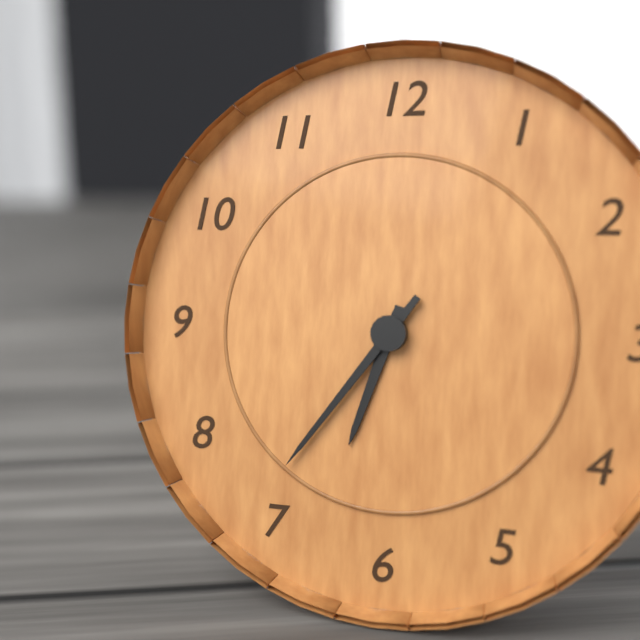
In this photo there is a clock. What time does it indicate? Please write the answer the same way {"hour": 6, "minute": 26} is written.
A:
{"hour": 6, "minute": 36}
